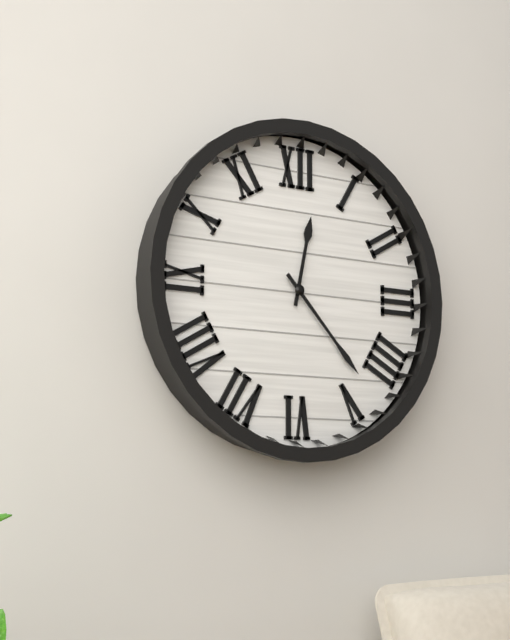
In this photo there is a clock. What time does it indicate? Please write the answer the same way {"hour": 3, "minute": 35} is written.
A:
{"hour": 12, "minute": 23}
